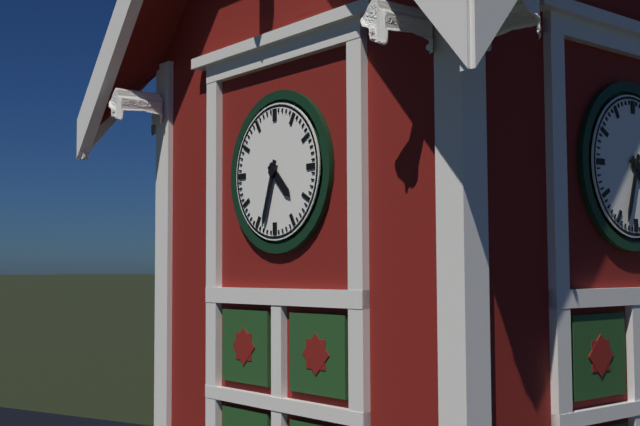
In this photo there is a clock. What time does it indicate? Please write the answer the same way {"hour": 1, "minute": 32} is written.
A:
{"hour": 4, "minute": 33}
